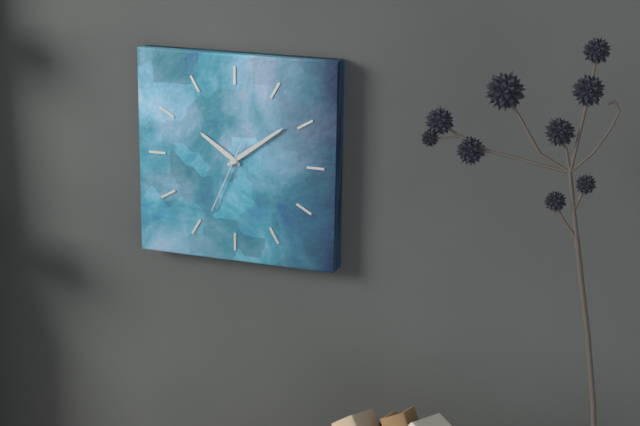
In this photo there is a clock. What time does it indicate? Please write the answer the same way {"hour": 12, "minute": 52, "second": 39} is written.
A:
{"hour": 10, "minute": 9, "second": 34}
